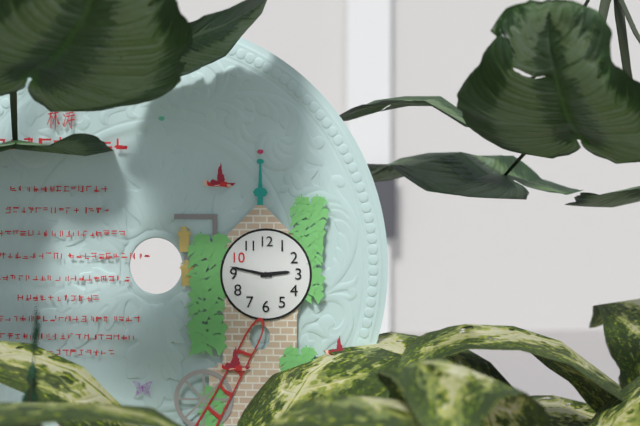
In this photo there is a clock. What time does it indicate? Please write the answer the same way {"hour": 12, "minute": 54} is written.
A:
{"hour": 2, "minute": 47}
